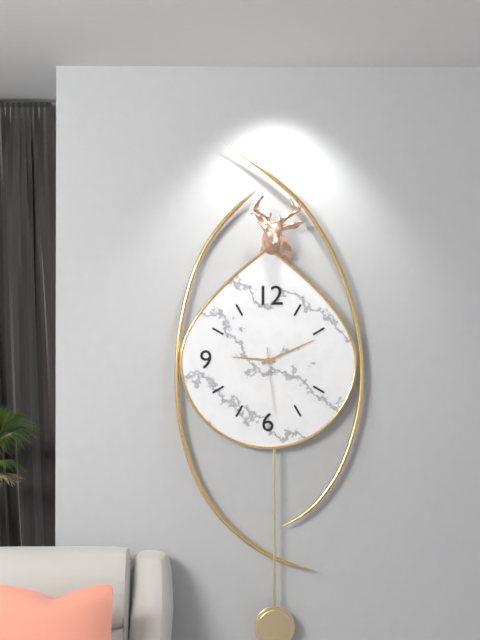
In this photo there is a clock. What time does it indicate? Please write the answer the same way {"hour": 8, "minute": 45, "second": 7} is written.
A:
{"hour": 9, "minute": 11, "second": 29}
